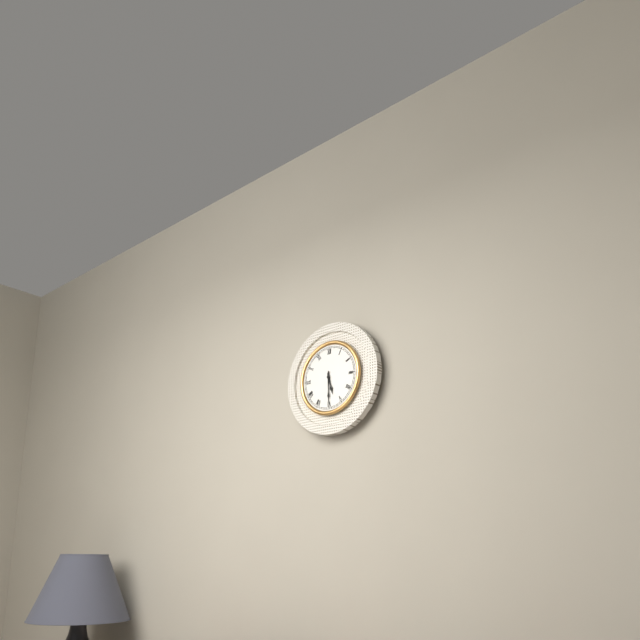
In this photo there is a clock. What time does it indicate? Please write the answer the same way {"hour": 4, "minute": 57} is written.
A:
{"hour": 5, "minute": 30}
